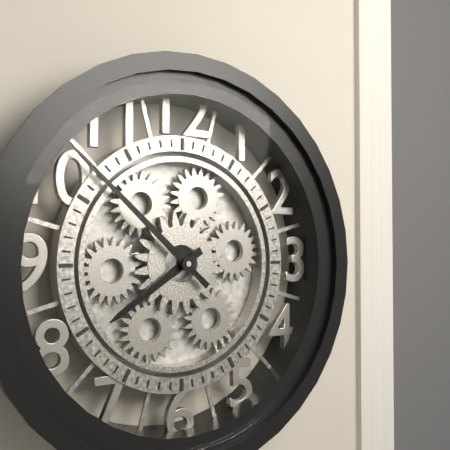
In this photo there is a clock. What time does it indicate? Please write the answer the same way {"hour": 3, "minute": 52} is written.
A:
{"hour": 7, "minute": 52}
